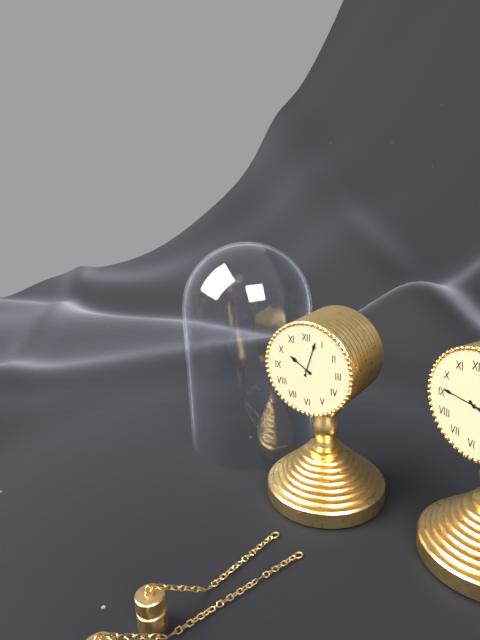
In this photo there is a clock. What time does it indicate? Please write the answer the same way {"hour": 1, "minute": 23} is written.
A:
{"hour": 10, "minute": 3}
